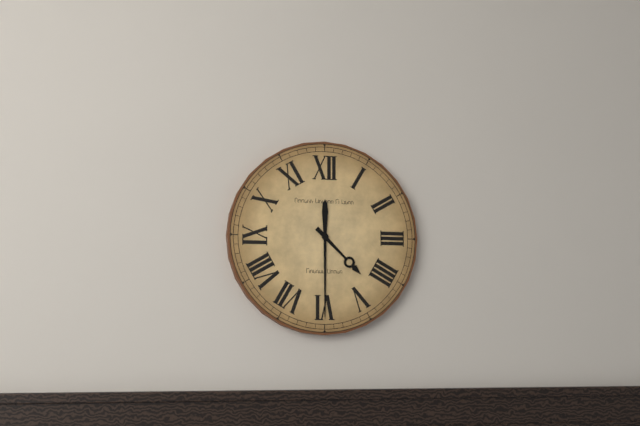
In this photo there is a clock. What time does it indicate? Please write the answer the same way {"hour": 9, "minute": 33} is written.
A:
{"hour": 4, "minute": 30}
